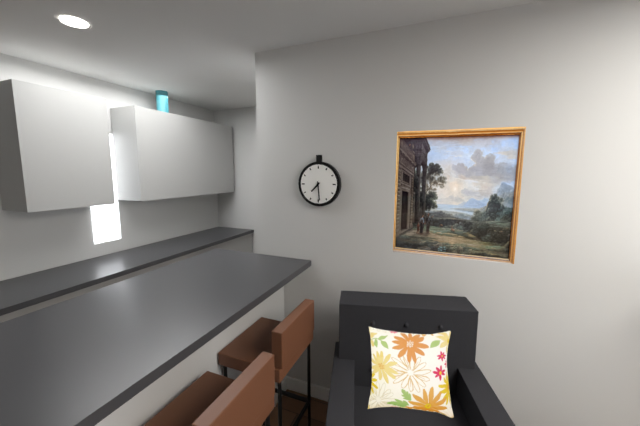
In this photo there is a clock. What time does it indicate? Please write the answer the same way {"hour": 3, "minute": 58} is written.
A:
{"hour": 7, "minute": 29}
